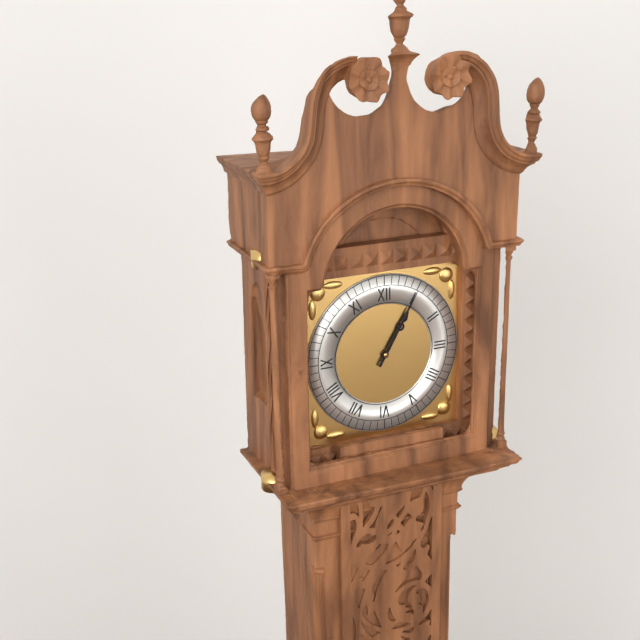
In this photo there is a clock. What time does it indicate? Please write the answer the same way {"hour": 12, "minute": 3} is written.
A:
{"hour": 1, "minute": 5}
